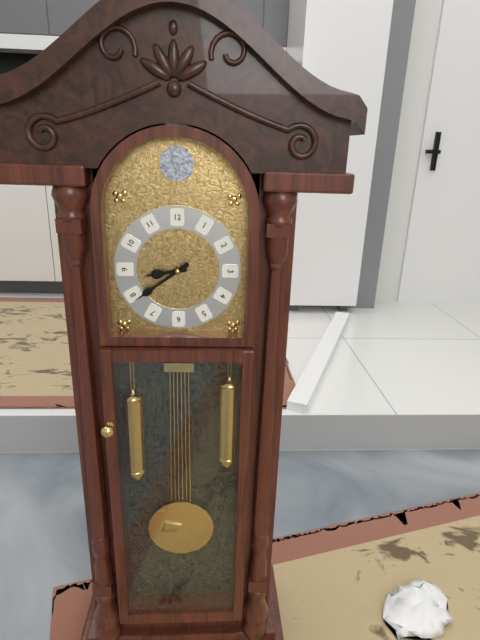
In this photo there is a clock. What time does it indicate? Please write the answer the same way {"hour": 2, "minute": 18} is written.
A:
{"hour": 8, "minute": 39}
